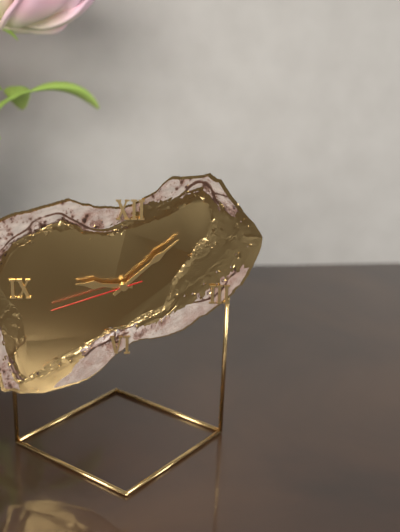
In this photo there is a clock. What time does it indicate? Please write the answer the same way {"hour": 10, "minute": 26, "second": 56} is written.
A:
{"hour": 9, "minute": 8, "second": 42}
